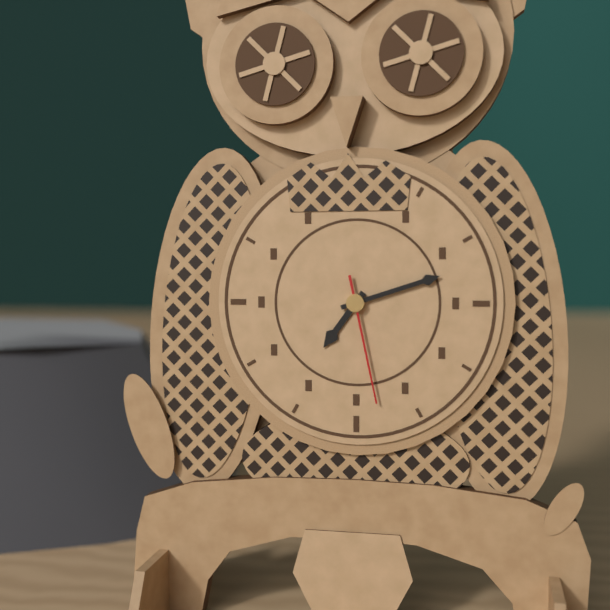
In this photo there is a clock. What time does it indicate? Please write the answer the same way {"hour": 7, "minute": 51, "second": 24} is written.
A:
{"hour": 7, "minute": 12, "second": 28}
